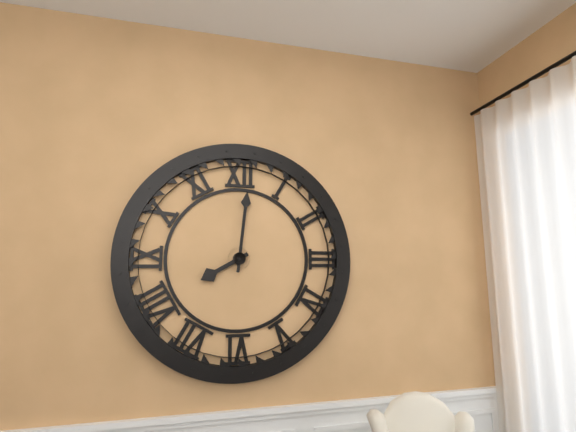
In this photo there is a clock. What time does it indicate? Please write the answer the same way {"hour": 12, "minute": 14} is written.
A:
{"hour": 8, "minute": 1}
